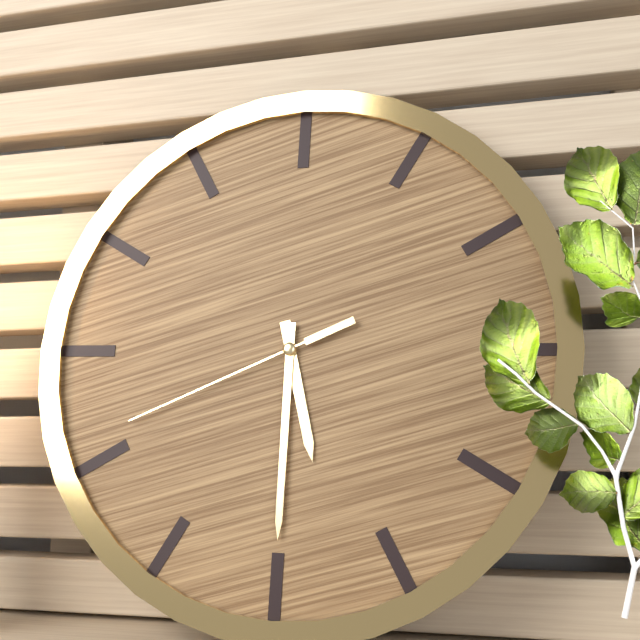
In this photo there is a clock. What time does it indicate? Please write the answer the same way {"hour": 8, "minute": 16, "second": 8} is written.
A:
{"hour": 5, "minute": 30, "second": 41}
